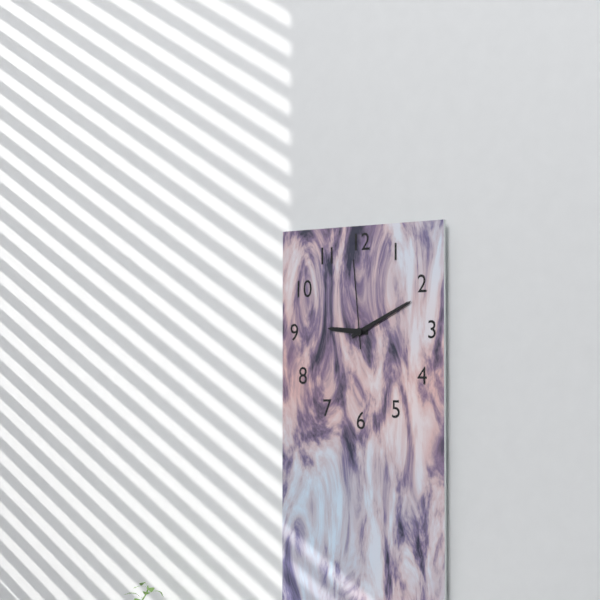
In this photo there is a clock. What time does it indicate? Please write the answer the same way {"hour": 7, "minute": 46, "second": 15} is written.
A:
{"hour": 9, "minute": 11, "second": 59}
